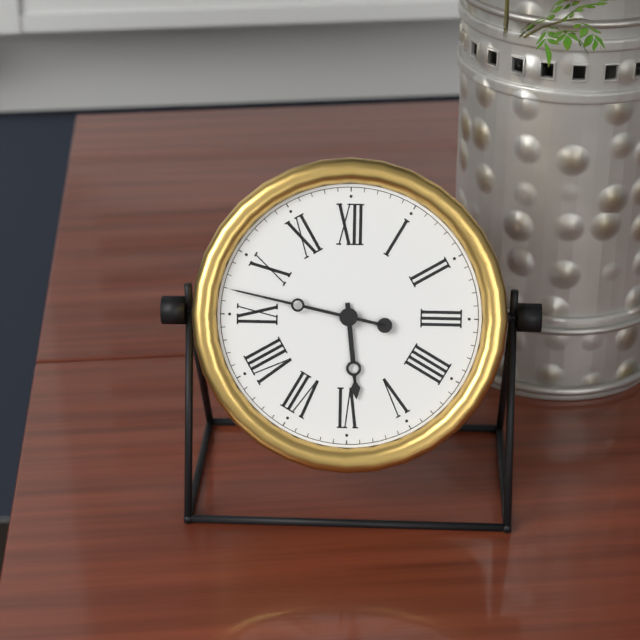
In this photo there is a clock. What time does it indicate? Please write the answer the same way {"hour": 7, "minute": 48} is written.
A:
{"hour": 5, "minute": 47}
